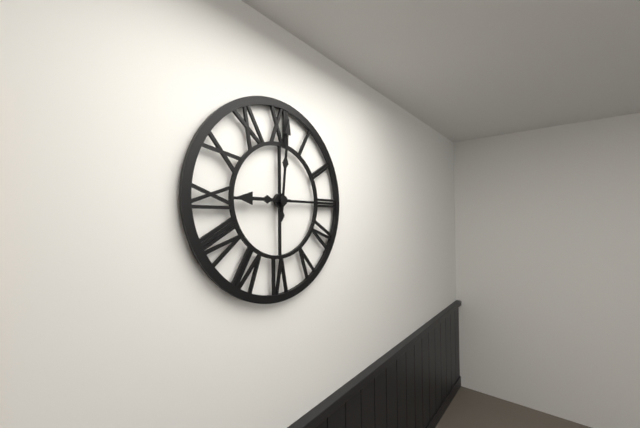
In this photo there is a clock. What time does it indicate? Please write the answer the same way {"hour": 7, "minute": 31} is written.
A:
{"hour": 9, "minute": 1}
